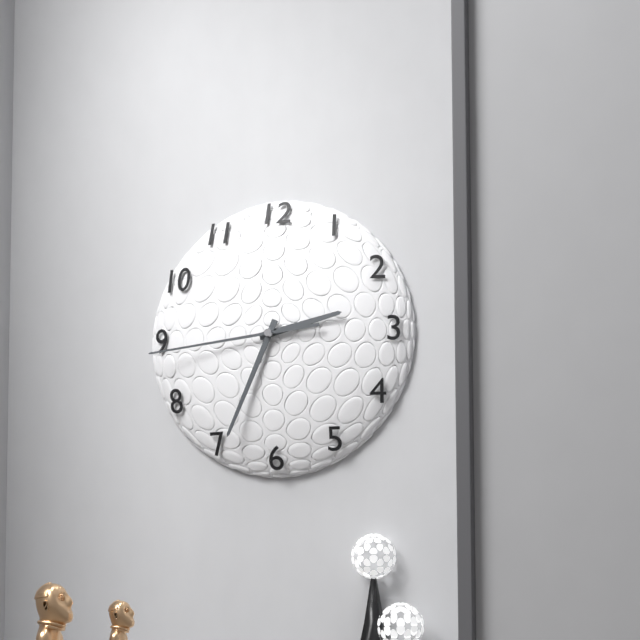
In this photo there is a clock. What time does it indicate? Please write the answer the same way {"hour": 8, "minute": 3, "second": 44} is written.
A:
{"hour": 2, "minute": 34, "second": 44}
